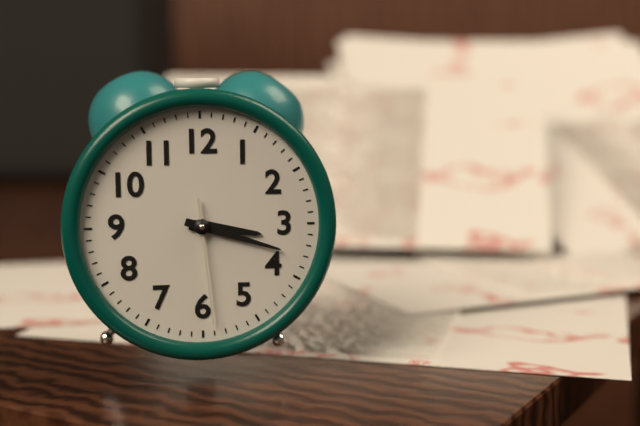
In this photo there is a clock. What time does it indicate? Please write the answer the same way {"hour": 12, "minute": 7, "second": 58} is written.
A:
{"hour": 3, "minute": 18, "second": 29}
